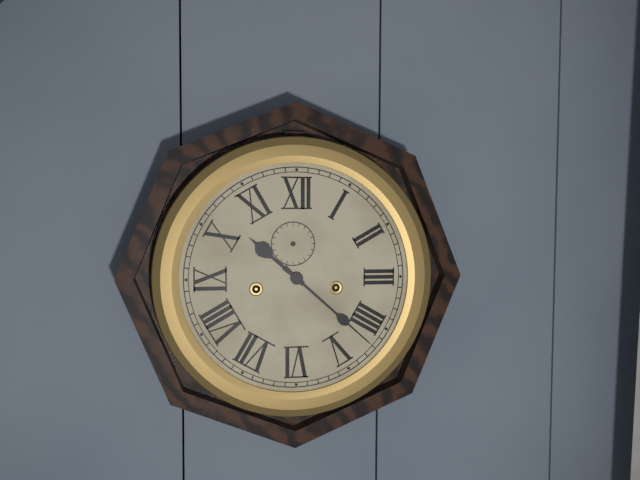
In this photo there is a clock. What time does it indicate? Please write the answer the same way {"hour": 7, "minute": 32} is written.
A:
{"hour": 10, "minute": 22}
